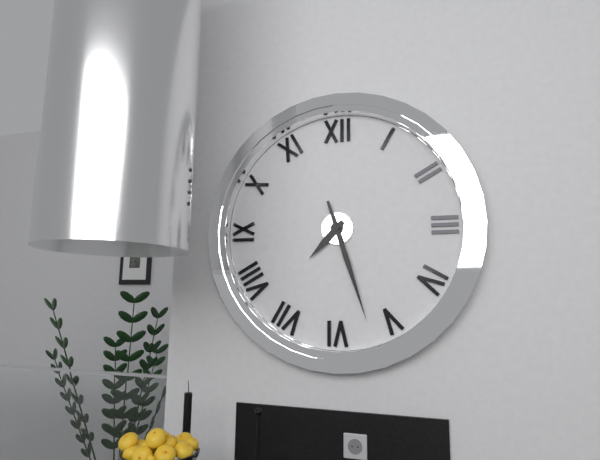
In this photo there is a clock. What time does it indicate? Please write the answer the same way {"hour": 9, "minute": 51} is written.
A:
{"hour": 7, "minute": 27}
